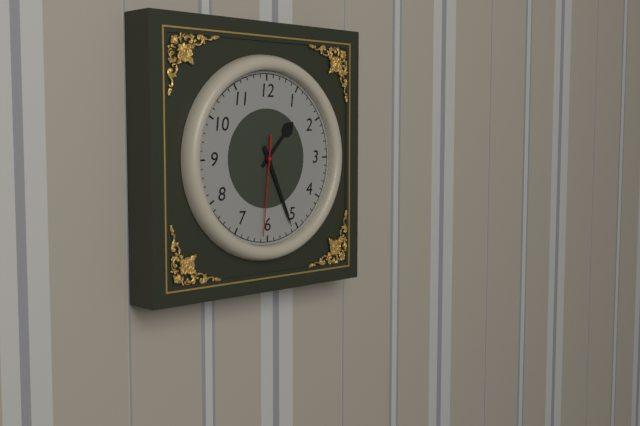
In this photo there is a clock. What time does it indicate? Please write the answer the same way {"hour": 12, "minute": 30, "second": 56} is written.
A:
{"hour": 1, "minute": 26, "second": 31}
